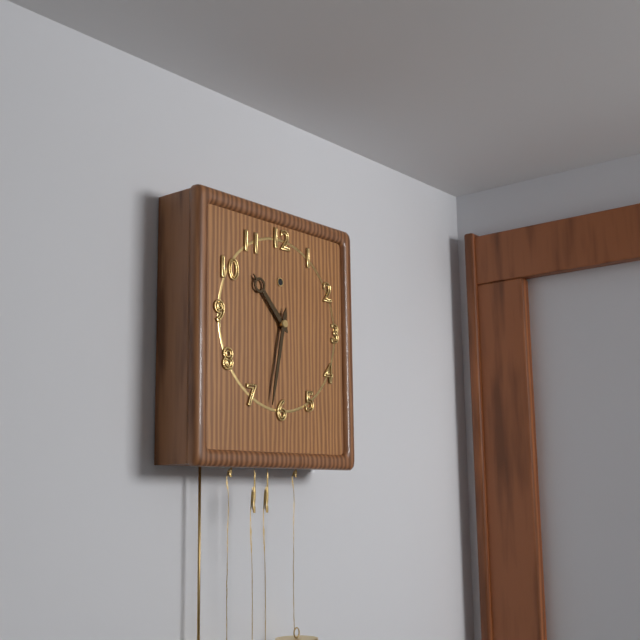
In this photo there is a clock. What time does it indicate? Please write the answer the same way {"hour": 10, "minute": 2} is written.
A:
{"hour": 10, "minute": 32}
